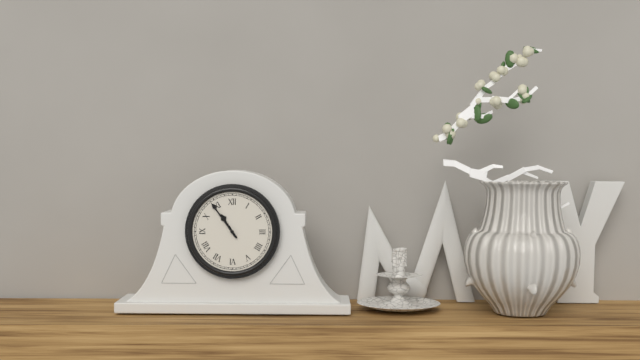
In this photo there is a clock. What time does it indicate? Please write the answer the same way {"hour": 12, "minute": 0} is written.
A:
{"hour": 10, "minute": 54}
